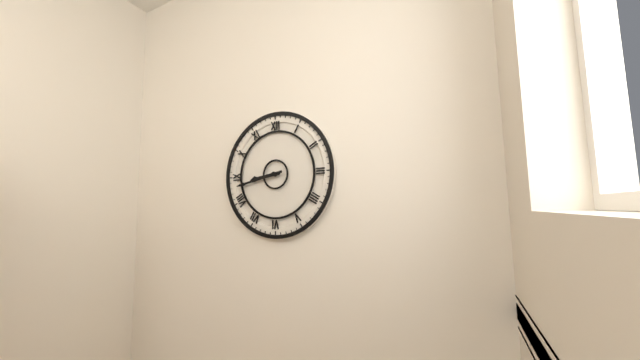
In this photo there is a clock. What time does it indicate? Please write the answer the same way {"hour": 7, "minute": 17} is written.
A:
{"hour": 8, "minute": 43}
